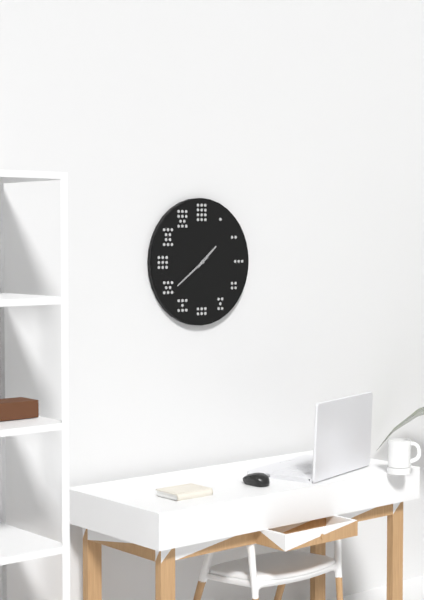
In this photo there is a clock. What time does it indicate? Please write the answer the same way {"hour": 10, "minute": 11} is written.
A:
{"hour": 1, "minute": 39}
